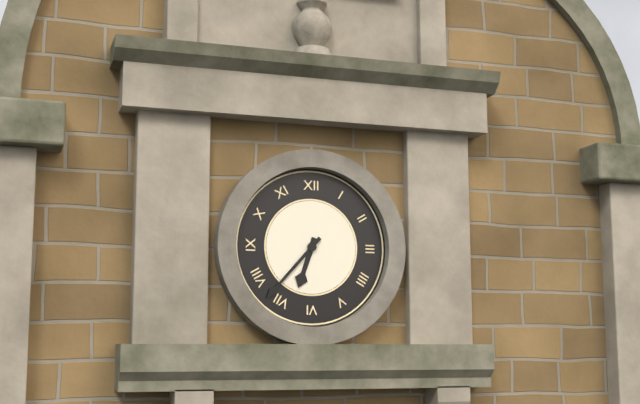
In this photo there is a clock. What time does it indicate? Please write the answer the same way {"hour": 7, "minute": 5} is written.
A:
{"hour": 6, "minute": 37}
